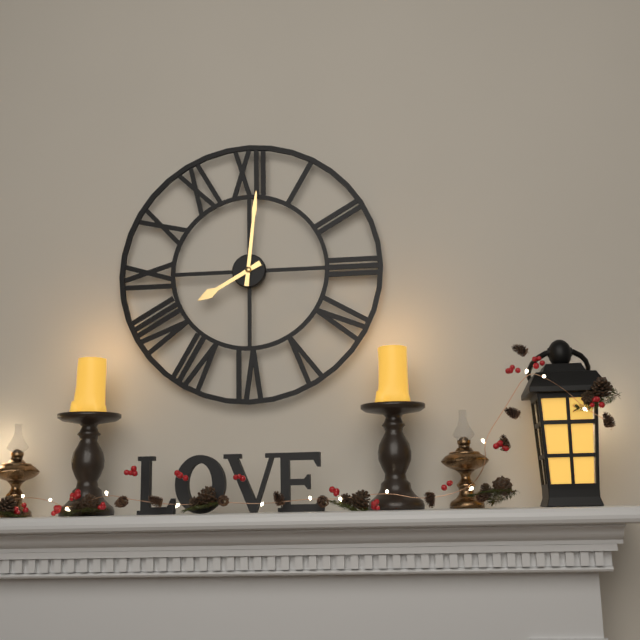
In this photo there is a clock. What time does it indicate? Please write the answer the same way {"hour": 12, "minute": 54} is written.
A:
{"hour": 8, "minute": 1}
